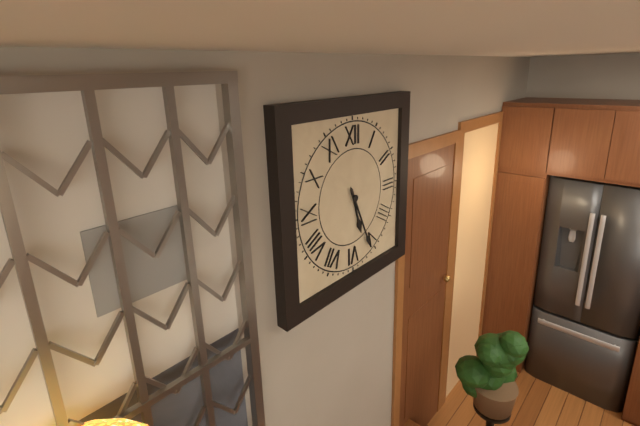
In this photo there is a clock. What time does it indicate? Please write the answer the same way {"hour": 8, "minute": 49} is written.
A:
{"hour": 5, "minute": 26}
